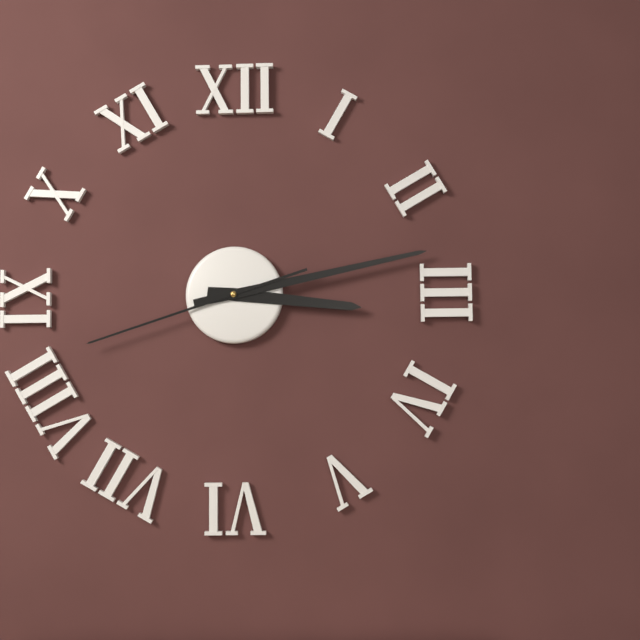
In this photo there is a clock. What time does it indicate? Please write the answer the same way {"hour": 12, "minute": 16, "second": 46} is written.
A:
{"hour": 3, "minute": 13, "second": 42}
